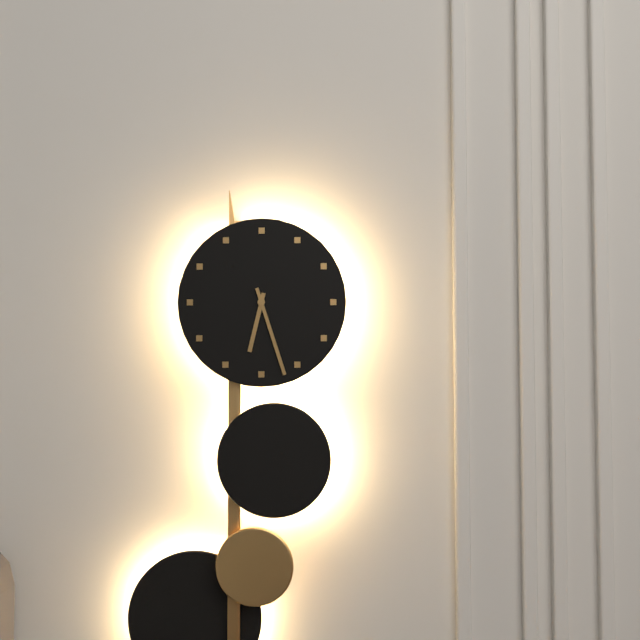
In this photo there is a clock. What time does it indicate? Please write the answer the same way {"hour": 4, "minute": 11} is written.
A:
{"hour": 6, "minute": 27}
